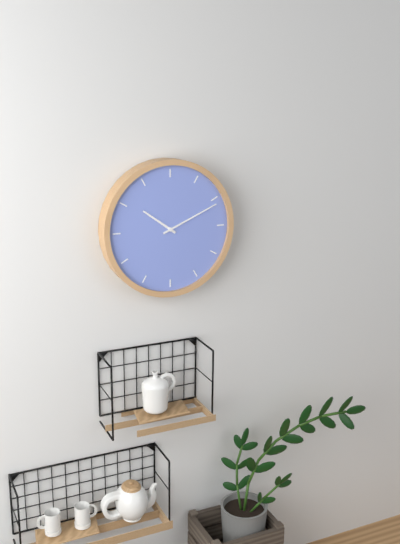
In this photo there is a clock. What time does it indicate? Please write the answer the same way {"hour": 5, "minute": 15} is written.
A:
{"hour": 10, "minute": 11}
